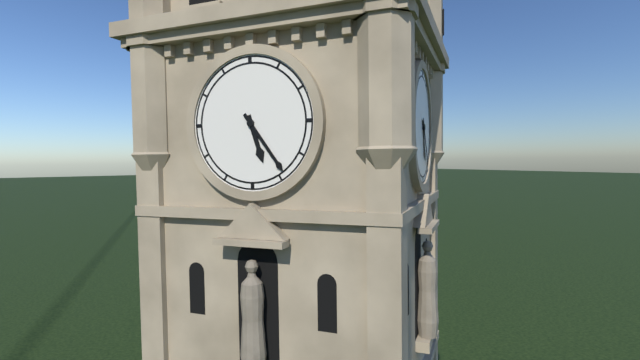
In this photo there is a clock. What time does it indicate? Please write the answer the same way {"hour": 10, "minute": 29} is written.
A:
{"hour": 5, "minute": 24}
